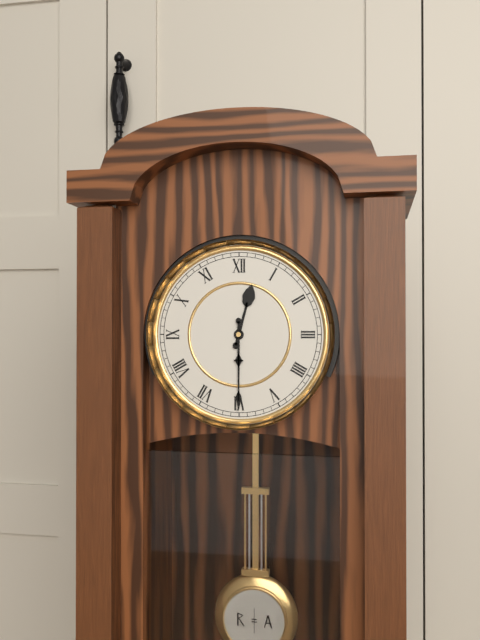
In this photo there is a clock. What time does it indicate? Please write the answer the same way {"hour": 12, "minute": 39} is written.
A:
{"hour": 12, "minute": 30}
